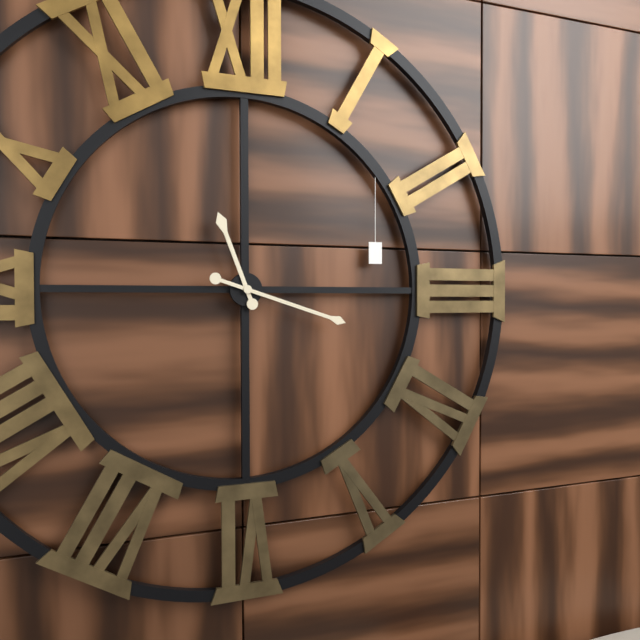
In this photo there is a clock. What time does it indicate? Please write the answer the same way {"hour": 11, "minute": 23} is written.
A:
{"hour": 11, "minute": 18}
